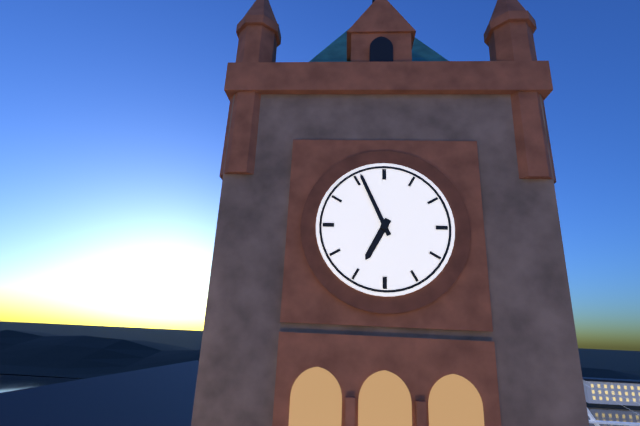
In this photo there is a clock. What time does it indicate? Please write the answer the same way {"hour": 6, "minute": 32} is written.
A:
{"hour": 6, "minute": 56}
